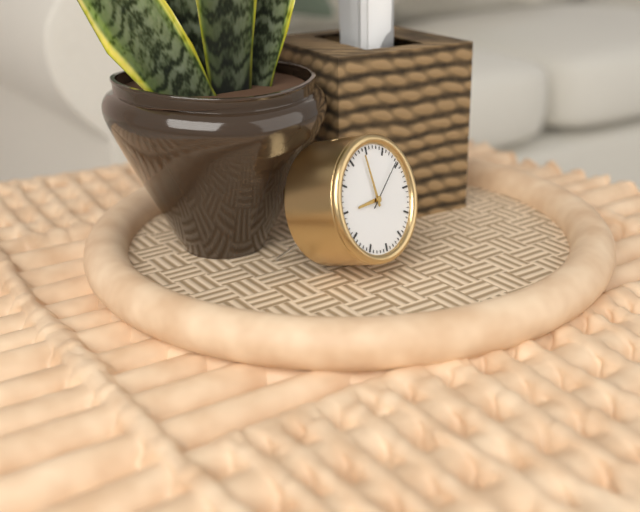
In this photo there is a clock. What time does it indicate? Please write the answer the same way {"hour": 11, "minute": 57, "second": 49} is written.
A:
{"hour": 8, "minute": 59, "second": 9}
